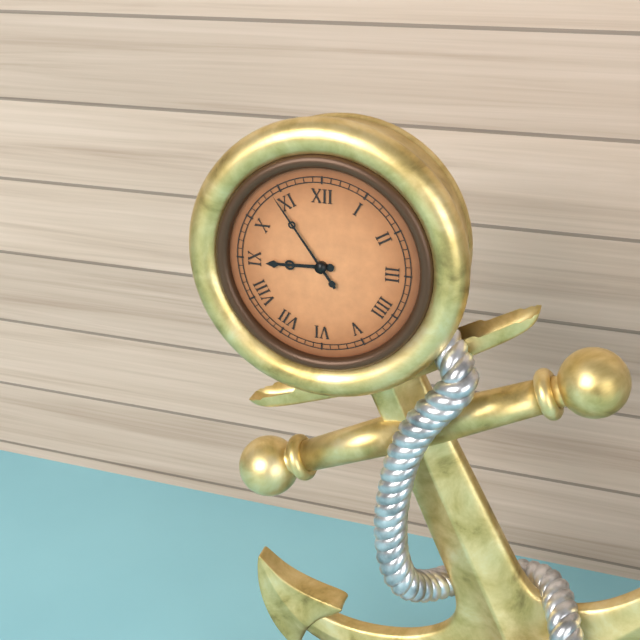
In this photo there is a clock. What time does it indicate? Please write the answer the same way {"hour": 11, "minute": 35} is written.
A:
{"hour": 8, "minute": 54}
